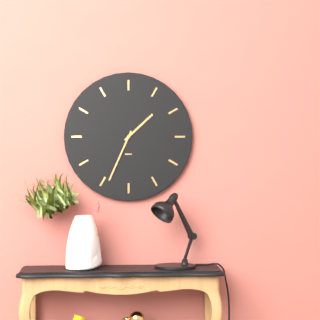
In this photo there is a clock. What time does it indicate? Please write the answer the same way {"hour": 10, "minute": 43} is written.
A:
{"hour": 1, "minute": 34}
